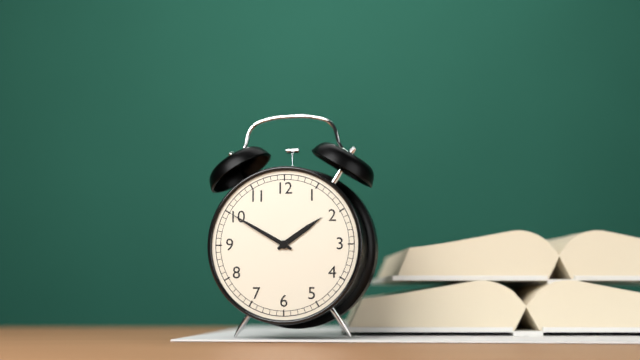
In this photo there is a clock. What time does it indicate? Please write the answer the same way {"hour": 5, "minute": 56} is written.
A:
{"hour": 1, "minute": 50}
